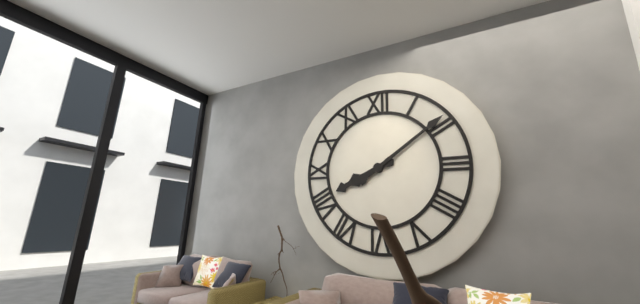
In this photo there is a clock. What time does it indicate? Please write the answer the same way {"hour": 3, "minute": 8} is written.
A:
{"hour": 8, "minute": 9}
